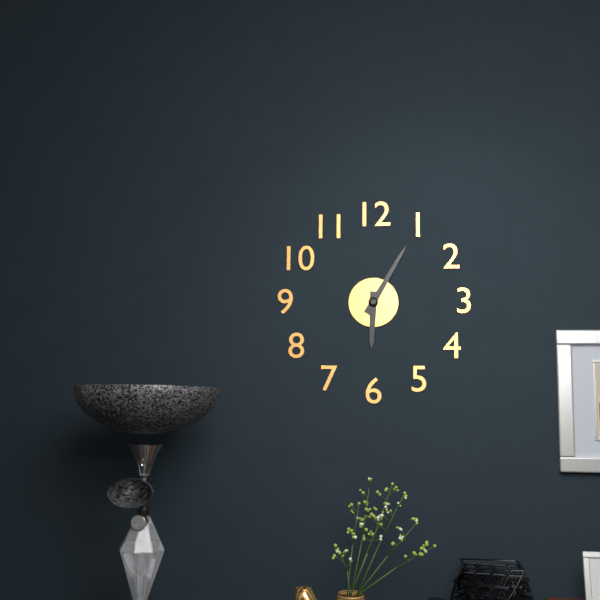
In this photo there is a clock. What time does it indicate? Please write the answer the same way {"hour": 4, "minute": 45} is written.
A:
{"hour": 6, "minute": 5}
